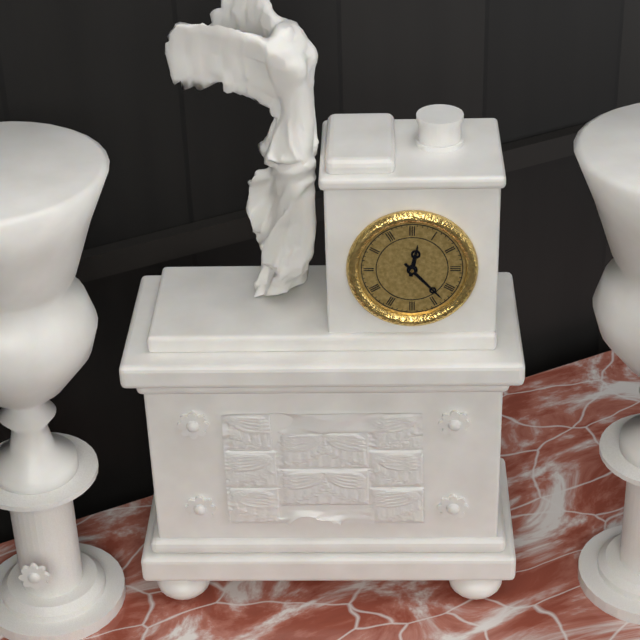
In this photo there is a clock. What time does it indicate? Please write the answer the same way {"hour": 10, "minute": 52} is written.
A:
{"hour": 12, "minute": 23}
